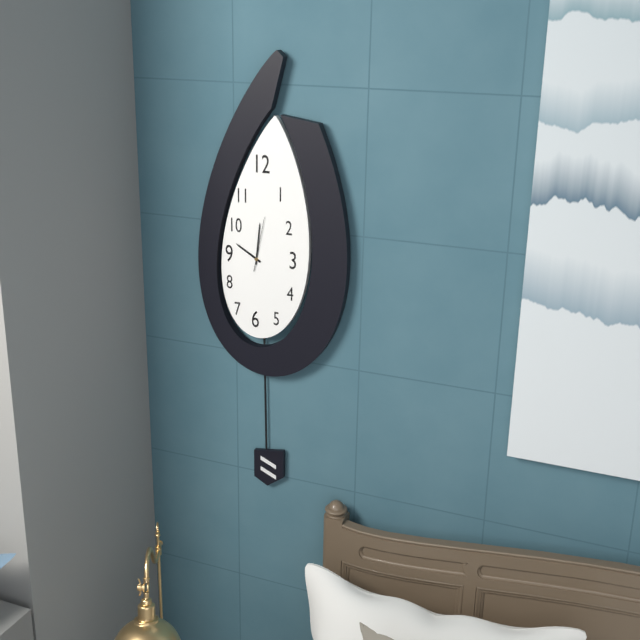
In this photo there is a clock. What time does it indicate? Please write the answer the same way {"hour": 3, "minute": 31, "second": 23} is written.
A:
{"hour": 10, "minute": 1, "second": 2}
